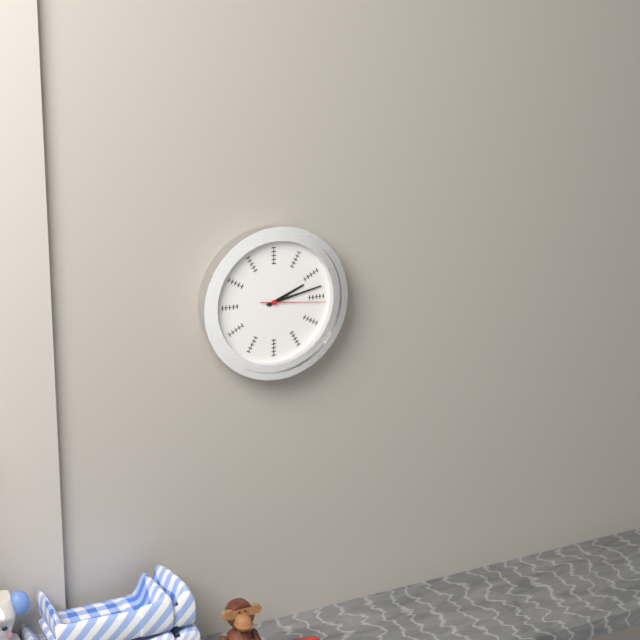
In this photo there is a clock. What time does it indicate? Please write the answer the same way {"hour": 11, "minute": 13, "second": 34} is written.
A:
{"hour": 2, "minute": 13, "second": 16}
